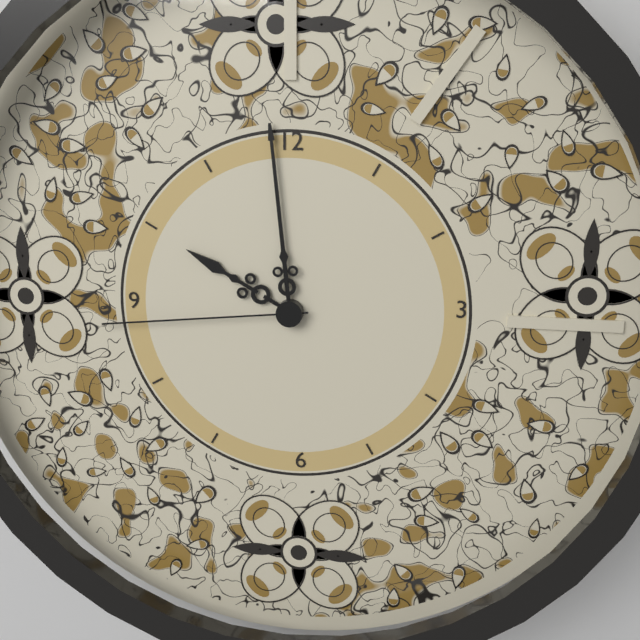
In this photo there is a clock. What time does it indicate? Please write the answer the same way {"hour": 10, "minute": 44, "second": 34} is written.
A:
{"hour": 9, "minute": 59, "second": 44}
